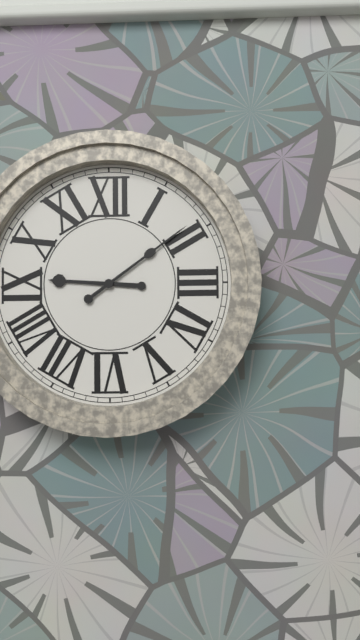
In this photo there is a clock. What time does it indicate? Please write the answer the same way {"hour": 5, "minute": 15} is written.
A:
{"hour": 9, "minute": 9}
